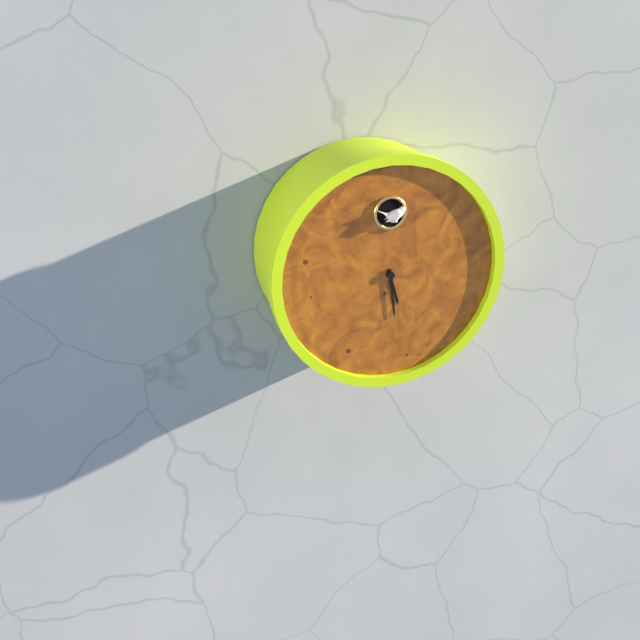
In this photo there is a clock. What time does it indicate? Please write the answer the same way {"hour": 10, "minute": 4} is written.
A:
{"hour": 5, "minute": 29}
